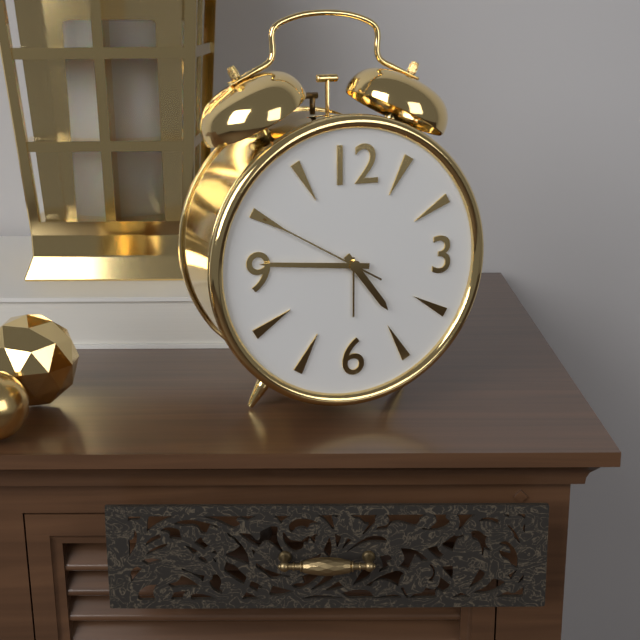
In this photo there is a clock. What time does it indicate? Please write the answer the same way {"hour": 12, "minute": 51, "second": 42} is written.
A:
{"hour": 4, "minute": 46, "second": 50}
